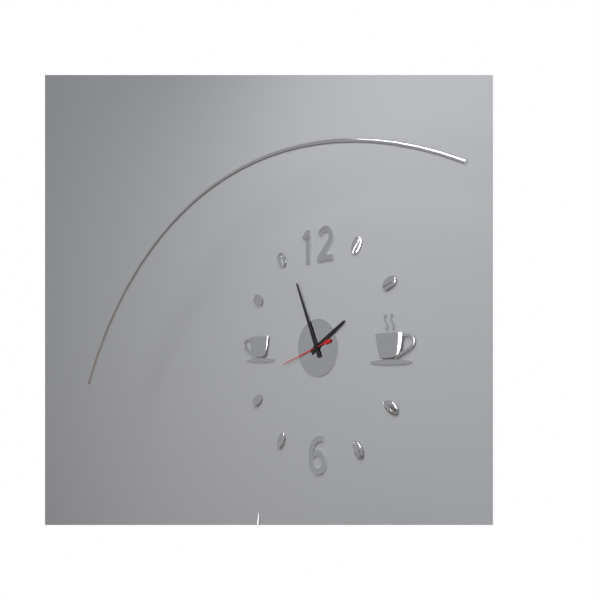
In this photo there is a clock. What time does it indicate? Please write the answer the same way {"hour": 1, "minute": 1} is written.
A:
{"hour": 1, "minute": 56}
